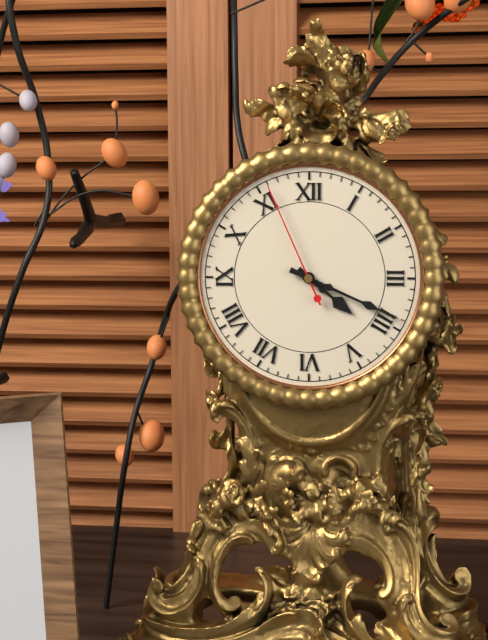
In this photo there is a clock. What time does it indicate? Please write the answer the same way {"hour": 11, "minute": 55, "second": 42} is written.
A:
{"hour": 4, "minute": 19, "second": 56}
